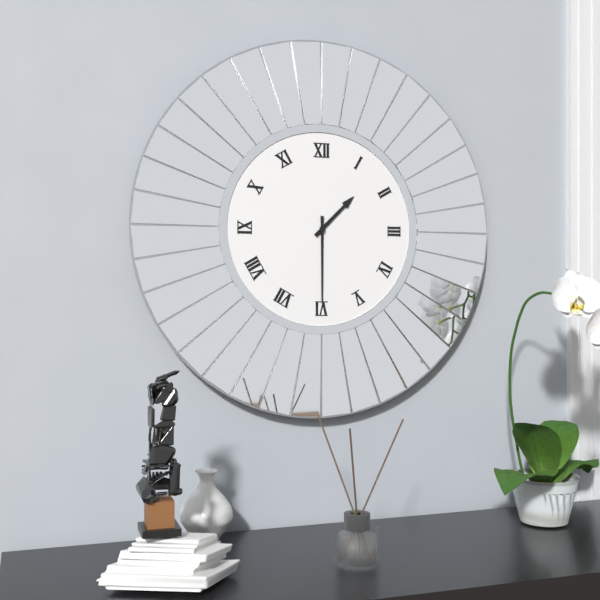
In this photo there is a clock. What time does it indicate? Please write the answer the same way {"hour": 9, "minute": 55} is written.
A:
{"hour": 1, "minute": 30}
